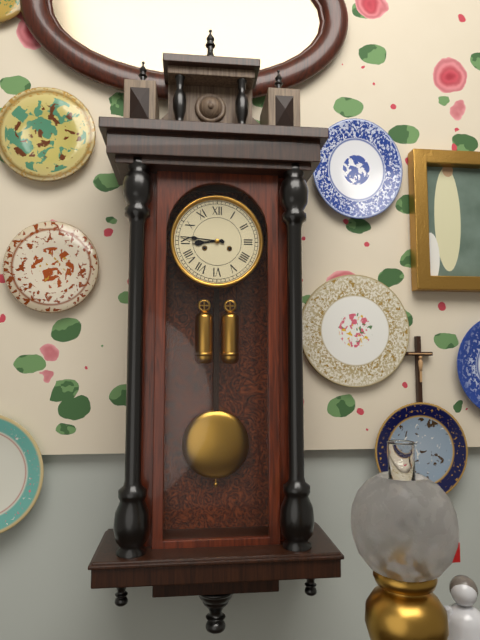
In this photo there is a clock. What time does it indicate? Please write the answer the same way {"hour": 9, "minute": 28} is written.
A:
{"hour": 8, "minute": 46}
